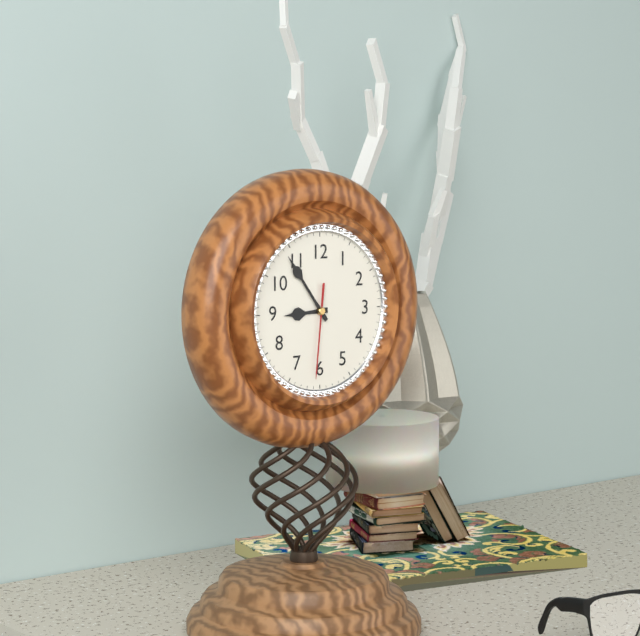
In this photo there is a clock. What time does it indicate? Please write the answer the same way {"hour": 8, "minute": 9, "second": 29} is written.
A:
{"hour": 8, "minute": 54, "second": 31}
